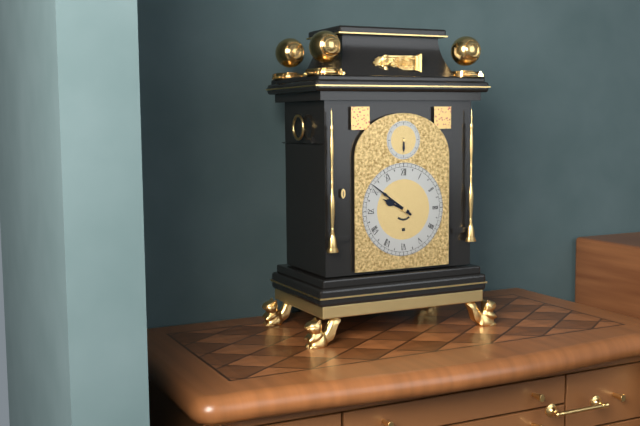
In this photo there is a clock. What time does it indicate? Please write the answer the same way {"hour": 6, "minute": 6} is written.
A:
{"hour": 9, "minute": 51}
